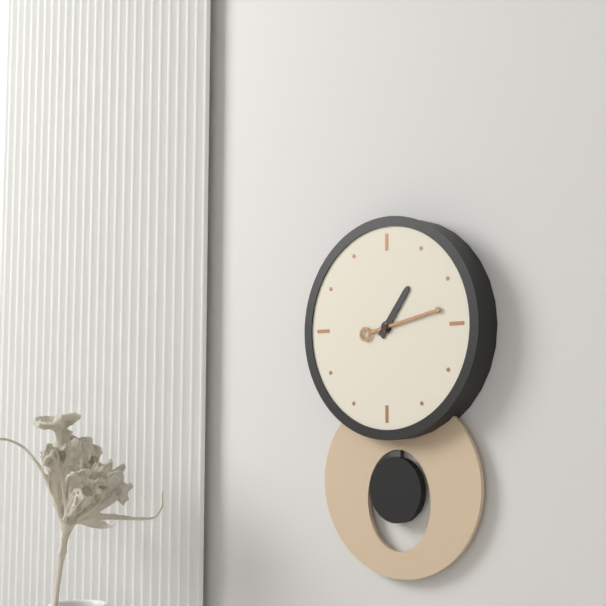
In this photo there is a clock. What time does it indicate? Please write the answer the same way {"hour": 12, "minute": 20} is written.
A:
{"hour": 1, "minute": 13}
